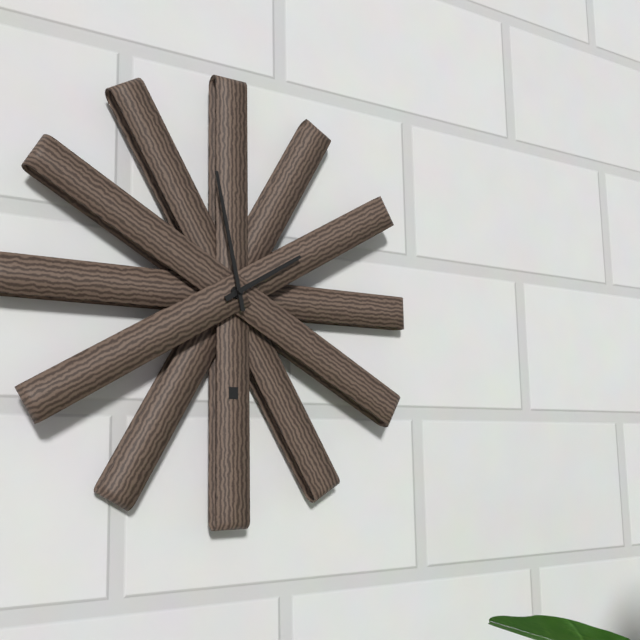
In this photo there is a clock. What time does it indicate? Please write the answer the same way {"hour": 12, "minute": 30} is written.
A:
{"hour": 1, "minute": 58}
